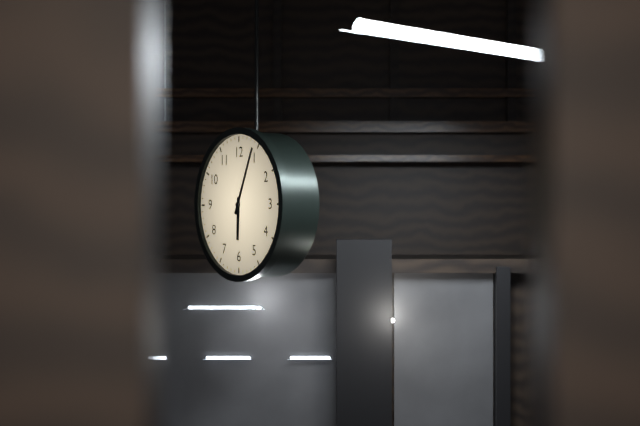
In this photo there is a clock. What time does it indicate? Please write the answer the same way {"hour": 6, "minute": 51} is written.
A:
{"hour": 6, "minute": 4}
